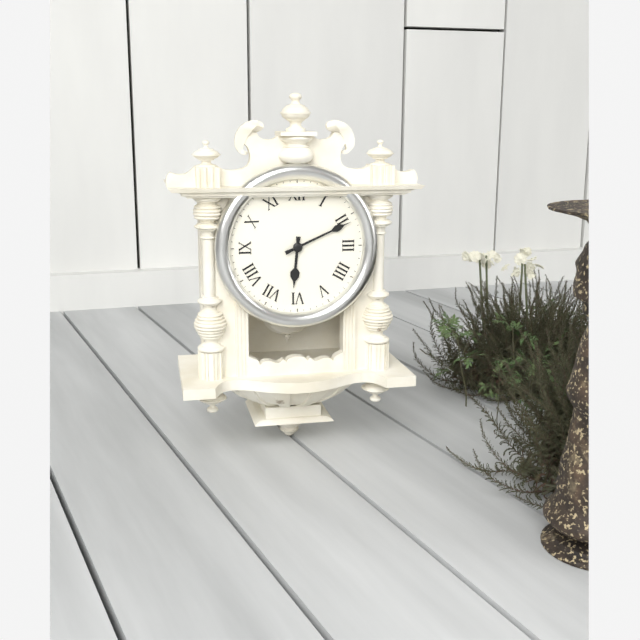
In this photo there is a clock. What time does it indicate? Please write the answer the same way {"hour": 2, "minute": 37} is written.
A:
{"hour": 6, "minute": 11}
